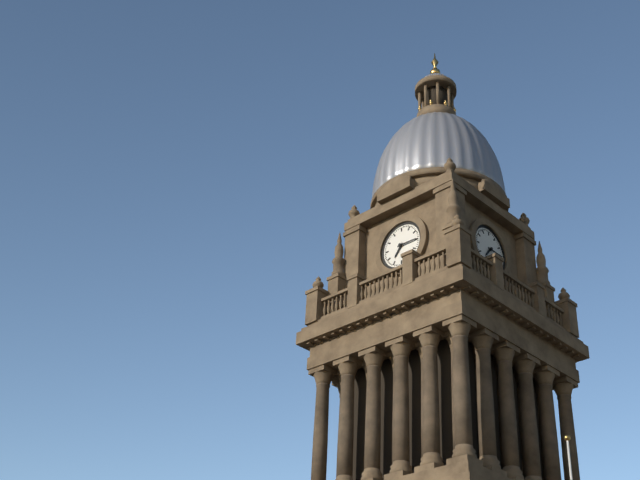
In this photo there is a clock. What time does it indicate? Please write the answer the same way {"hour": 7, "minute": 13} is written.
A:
{"hour": 7, "minute": 15}
